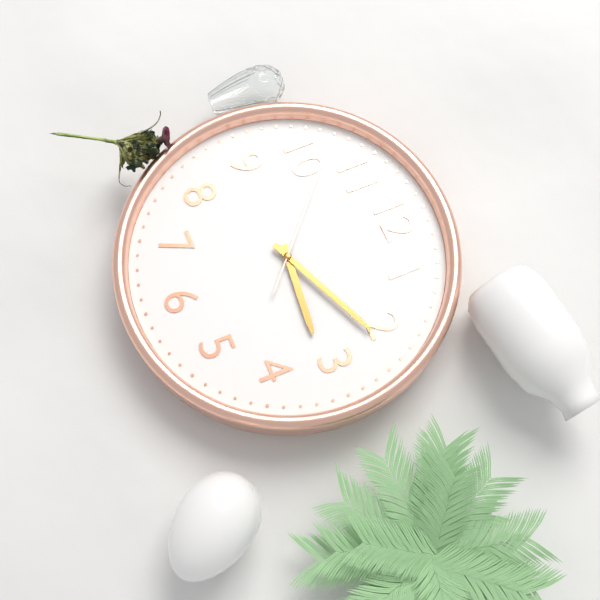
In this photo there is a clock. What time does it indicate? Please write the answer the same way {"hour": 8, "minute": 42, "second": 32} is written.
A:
{"hour": 3, "minute": 11, "second": 52}
